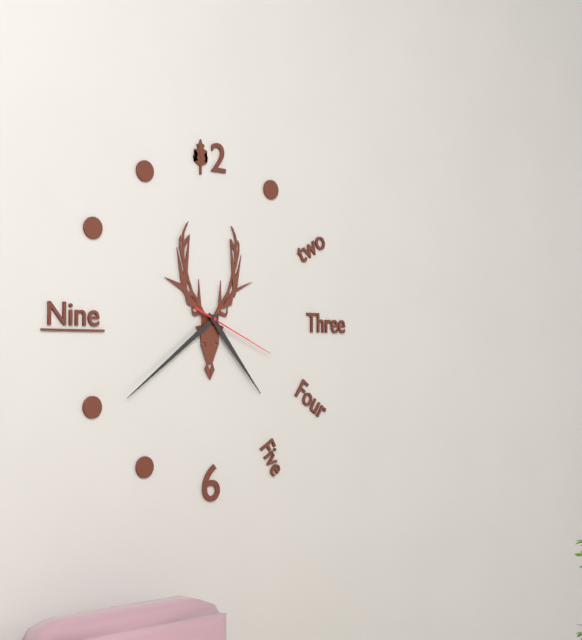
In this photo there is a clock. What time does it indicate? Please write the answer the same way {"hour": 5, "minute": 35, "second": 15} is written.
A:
{"hour": 4, "minute": 39, "second": 19}
